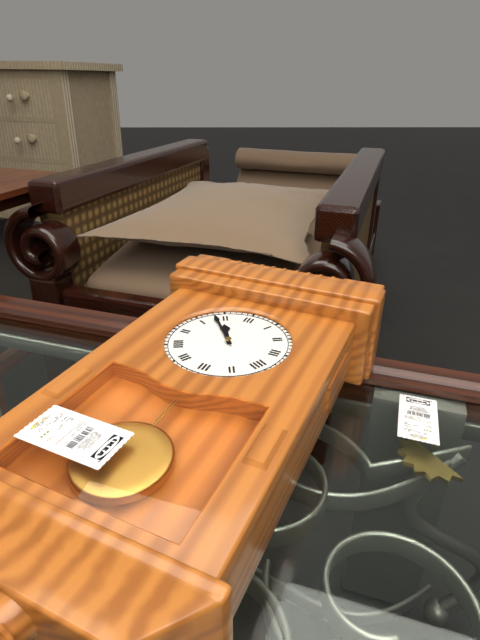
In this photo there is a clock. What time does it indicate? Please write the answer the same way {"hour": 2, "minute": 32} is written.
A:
{"hour": 10, "minute": 53}
